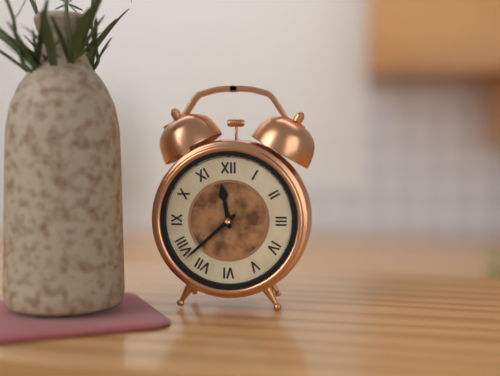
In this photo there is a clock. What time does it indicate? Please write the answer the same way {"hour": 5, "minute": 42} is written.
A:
{"hour": 11, "minute": 38}
